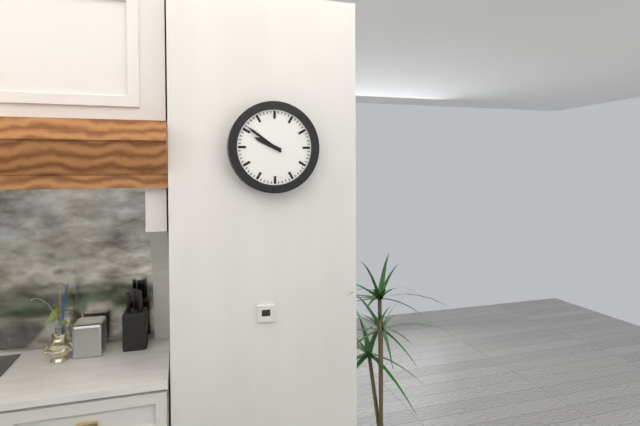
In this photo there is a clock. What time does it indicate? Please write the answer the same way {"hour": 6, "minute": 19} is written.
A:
{"hour": 9, "minute": 51}
